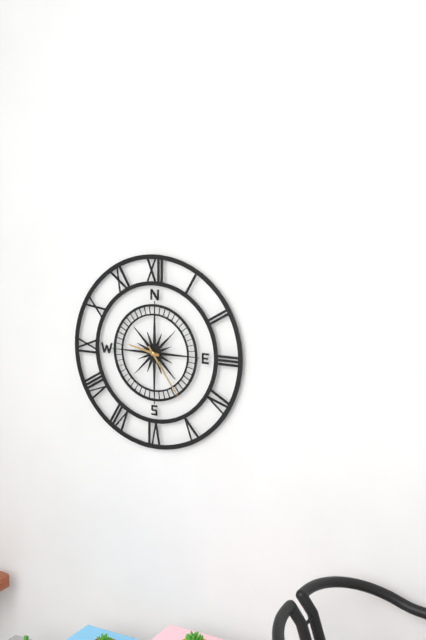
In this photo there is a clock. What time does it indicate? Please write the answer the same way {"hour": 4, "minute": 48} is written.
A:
{"hour": 9, "minute": 24}
